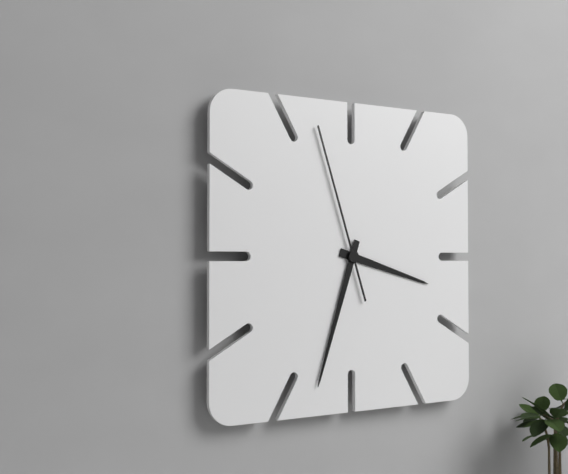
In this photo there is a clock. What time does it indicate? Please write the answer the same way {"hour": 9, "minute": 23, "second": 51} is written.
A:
{"hour": 3, "minute": 33, "second": 57}
